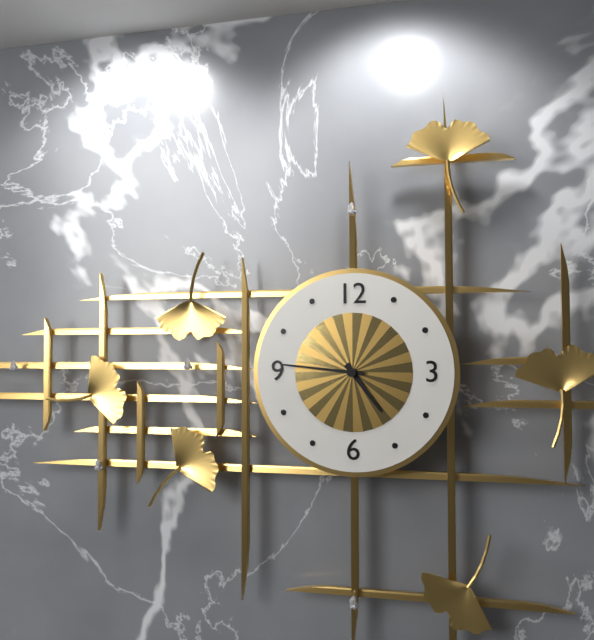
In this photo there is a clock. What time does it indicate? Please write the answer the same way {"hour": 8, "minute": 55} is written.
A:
{"hour": 4, "minute": 46}
